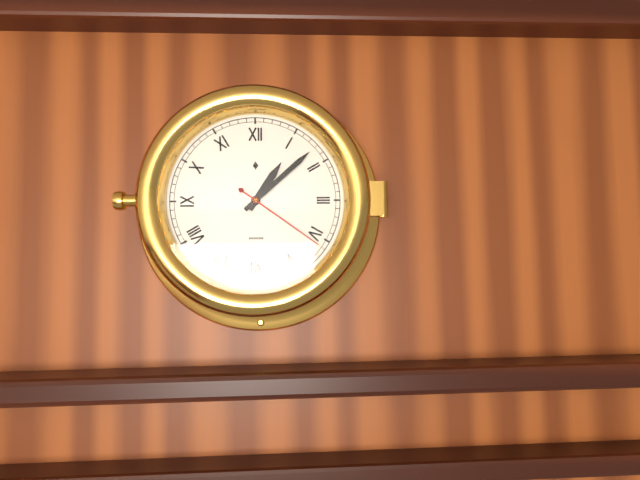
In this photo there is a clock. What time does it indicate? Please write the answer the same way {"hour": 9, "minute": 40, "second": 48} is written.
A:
{"hour": 1, "minute": 8, "second": 21}
